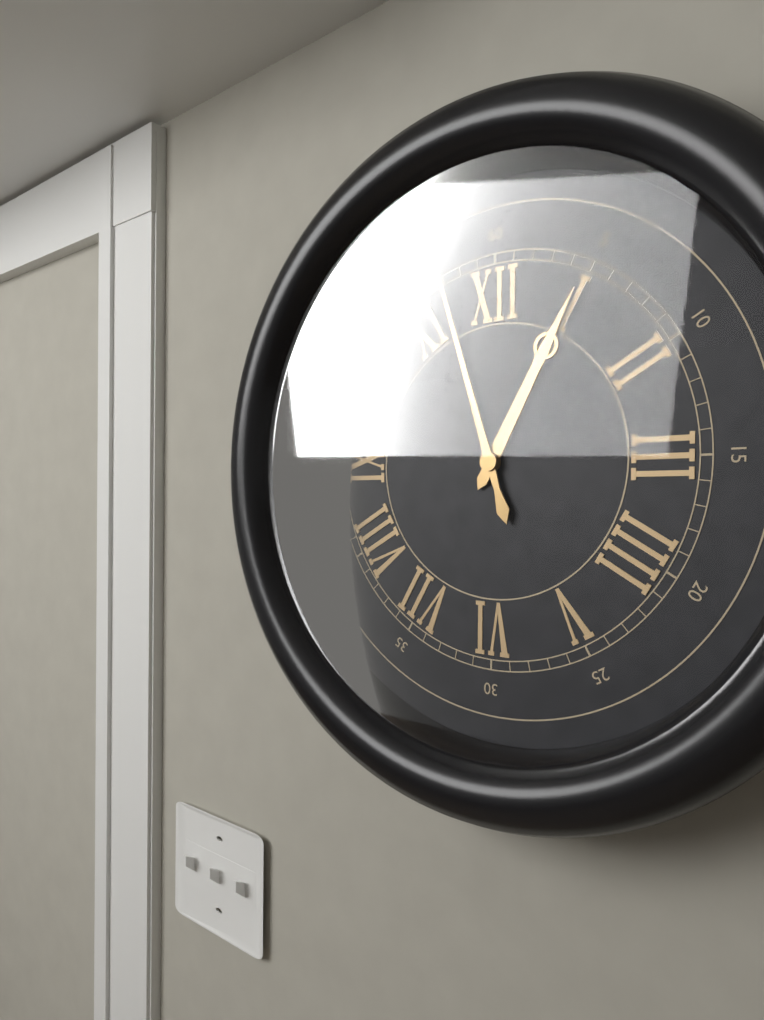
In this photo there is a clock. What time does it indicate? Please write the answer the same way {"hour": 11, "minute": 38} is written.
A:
{"hour": 12, "minute": 57}
